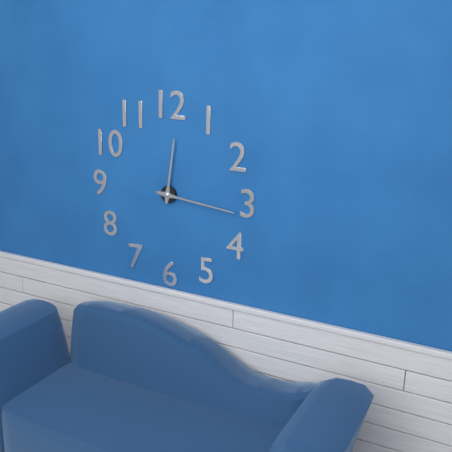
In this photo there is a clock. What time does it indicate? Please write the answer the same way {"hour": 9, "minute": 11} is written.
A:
{"hour": 12, "minute": 16}
